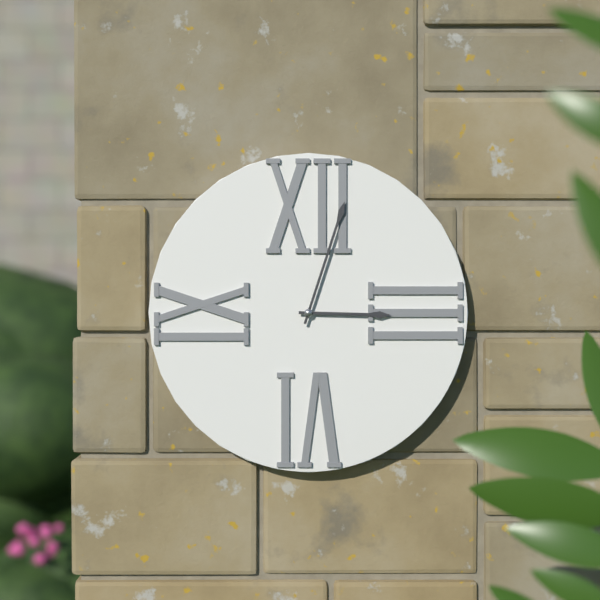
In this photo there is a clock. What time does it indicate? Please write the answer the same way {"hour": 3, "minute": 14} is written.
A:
{"hour": 3, "minute": 3}
